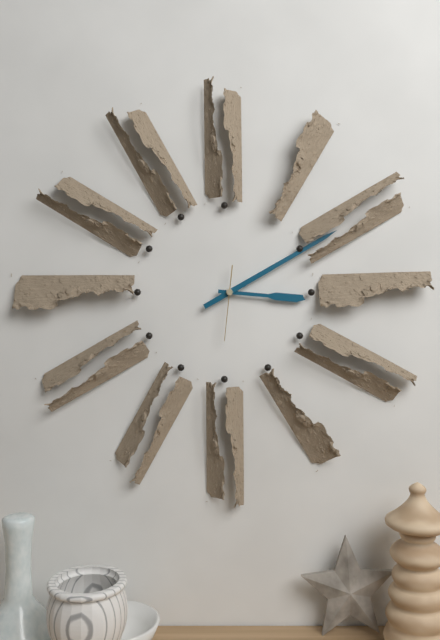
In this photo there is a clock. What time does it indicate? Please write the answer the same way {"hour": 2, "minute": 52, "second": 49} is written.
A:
{"hour": 3, "minute": 10, "second": 31}
